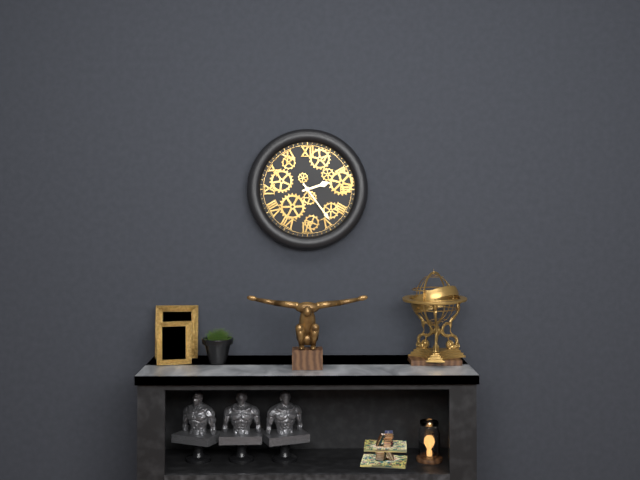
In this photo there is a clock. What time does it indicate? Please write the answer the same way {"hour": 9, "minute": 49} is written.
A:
{"hour": 2, "minute": 24}
